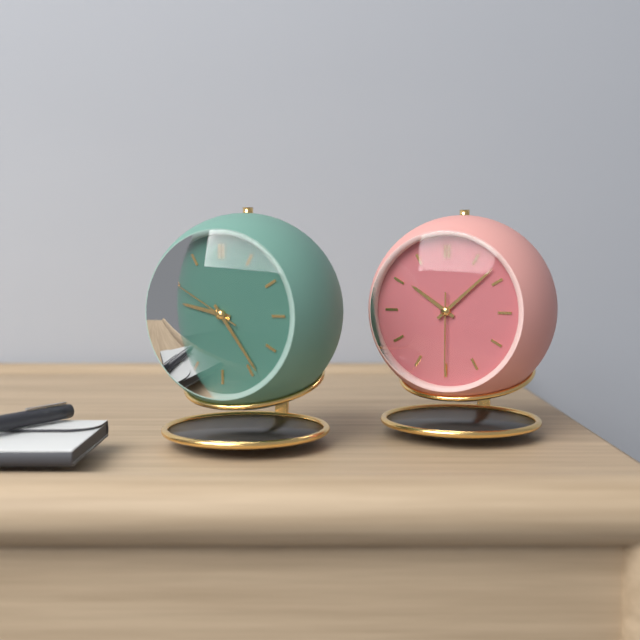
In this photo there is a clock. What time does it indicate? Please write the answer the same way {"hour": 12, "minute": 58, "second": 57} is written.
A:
{"hour": 9, "minute": 24, "second": 50}
